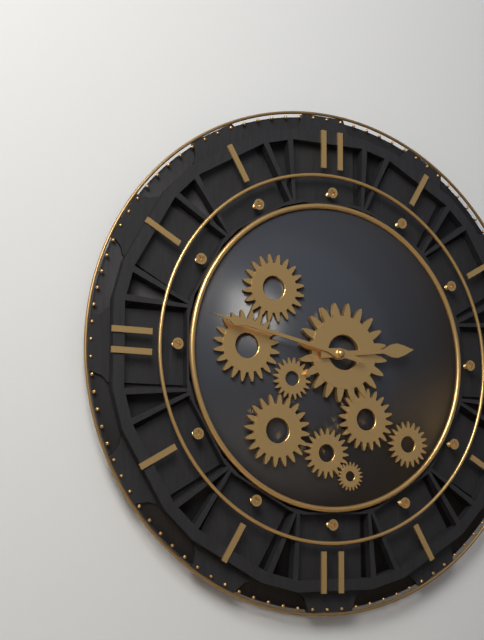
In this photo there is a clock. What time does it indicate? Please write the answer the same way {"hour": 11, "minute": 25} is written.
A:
{"hour": 2, "minute": 47}
